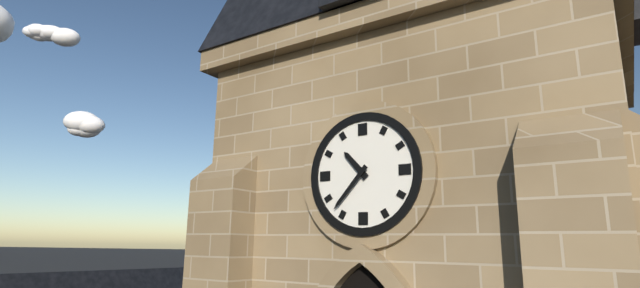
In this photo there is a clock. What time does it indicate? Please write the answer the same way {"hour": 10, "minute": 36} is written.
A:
{"hour": 10, "minute": 37}
